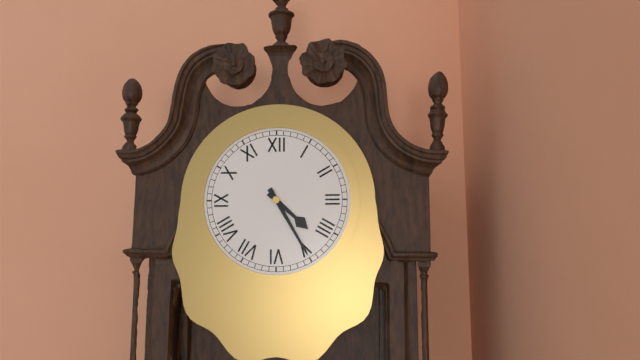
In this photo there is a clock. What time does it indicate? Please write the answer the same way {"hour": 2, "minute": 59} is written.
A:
{"hour": 4, "minute": 25}
